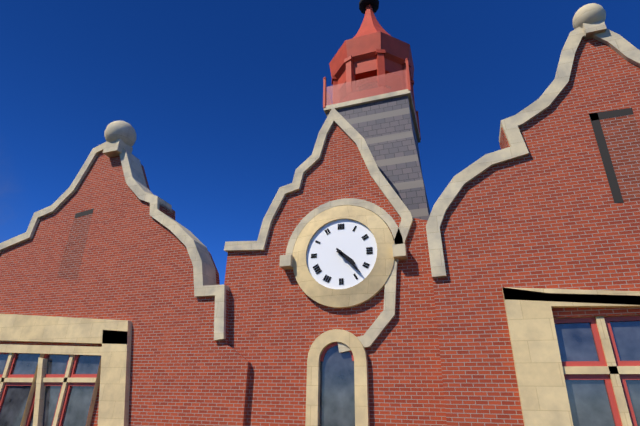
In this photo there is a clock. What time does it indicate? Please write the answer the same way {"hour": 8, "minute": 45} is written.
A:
{"hour": 4, "minute": 23}
